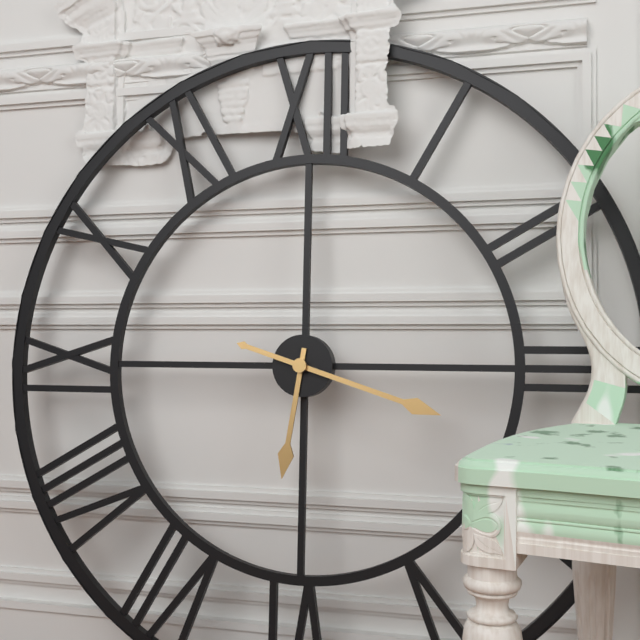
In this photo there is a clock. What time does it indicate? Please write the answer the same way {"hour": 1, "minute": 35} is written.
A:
{"hour": 6, "minute": 18}
